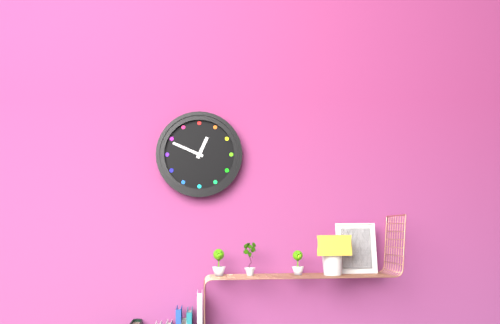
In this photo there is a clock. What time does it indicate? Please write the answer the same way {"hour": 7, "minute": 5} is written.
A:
{"hour": 12, "minute": 49}
